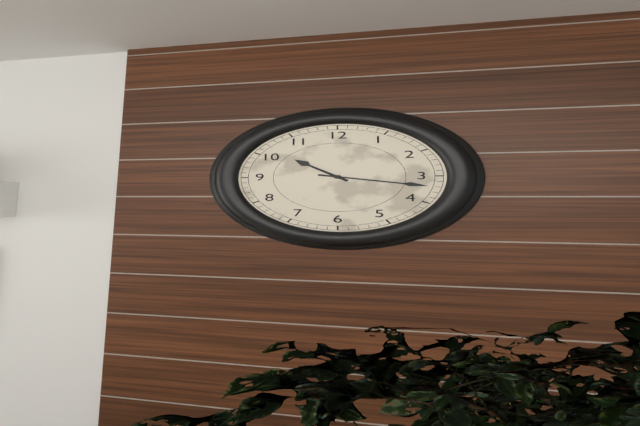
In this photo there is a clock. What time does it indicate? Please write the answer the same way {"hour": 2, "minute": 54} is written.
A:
{"hour": 10, "minute": 17}
